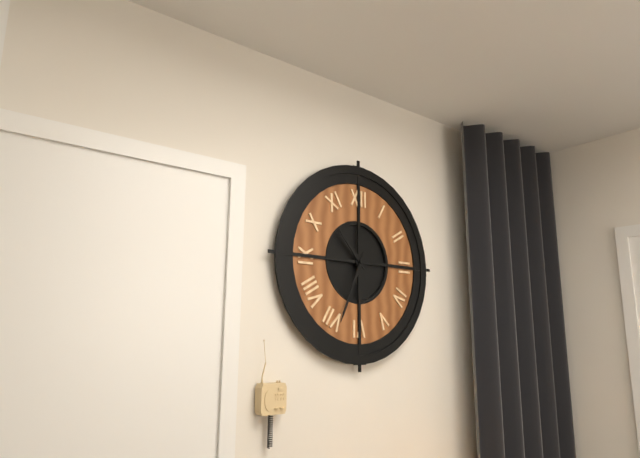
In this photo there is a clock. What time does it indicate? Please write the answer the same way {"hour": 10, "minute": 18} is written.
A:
{"hour": 10, "minute": 34}
